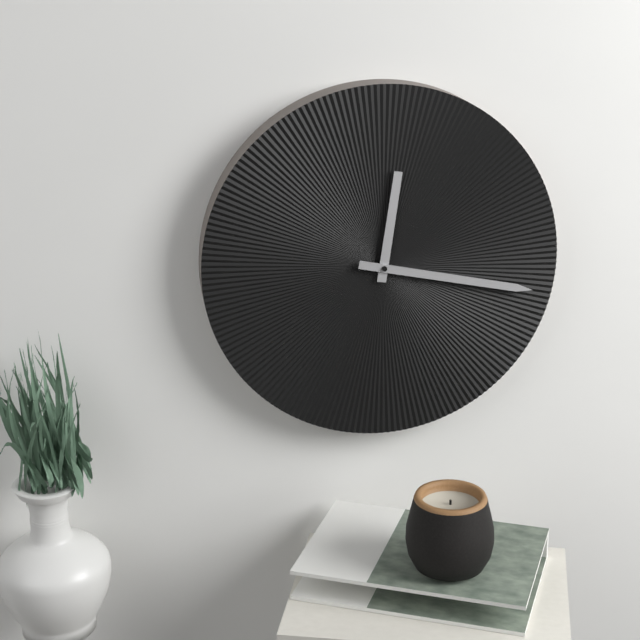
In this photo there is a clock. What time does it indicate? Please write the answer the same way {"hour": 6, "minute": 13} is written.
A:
{"hour": 12, "minute": 17}
